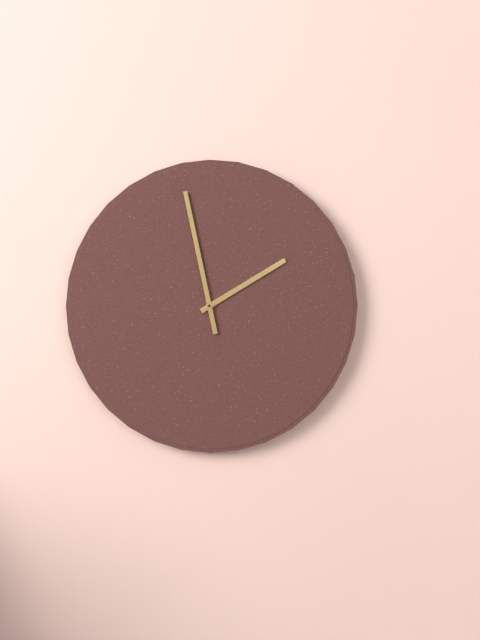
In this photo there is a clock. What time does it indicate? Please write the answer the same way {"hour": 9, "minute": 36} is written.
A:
{"hour": 1, "minute": 58}
